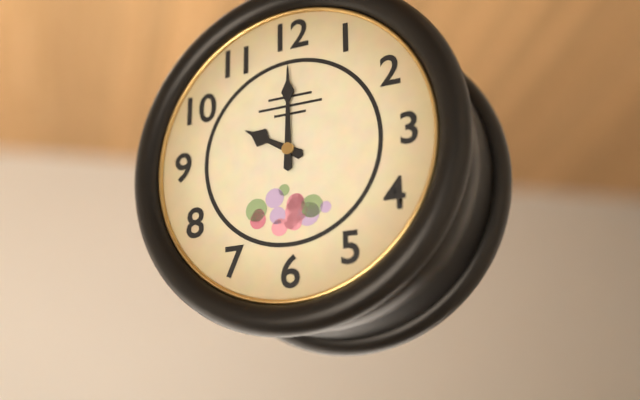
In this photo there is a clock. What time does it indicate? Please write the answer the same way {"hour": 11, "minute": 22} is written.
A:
{"hour": 10, "minute": 0}
